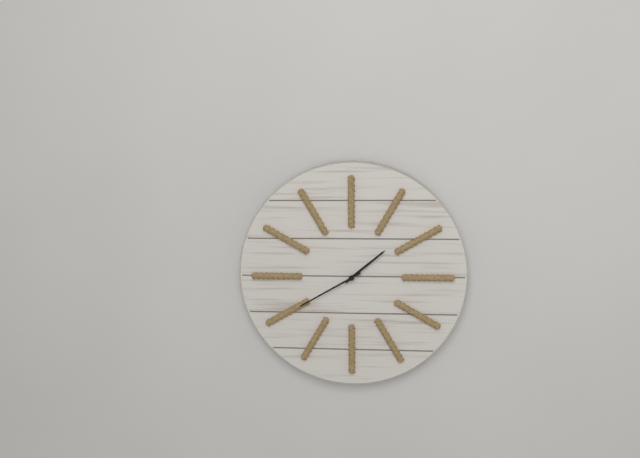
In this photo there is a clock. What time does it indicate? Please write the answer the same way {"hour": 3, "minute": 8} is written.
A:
{"hour": 1, "minute": 40}
